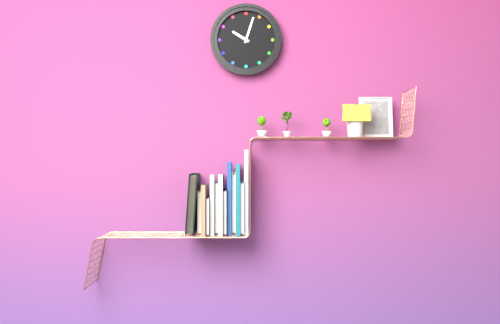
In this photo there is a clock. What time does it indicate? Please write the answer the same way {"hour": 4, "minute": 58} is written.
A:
{"hour": 10, "minute": 3}
